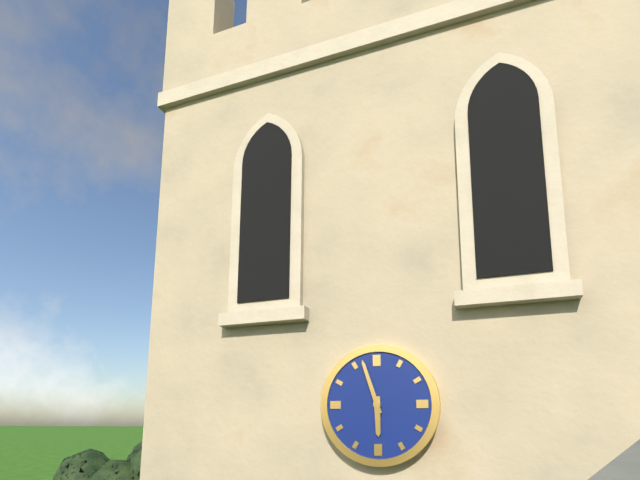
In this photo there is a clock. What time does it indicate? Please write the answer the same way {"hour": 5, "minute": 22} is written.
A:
{"hour": 5, "minute": 57}
